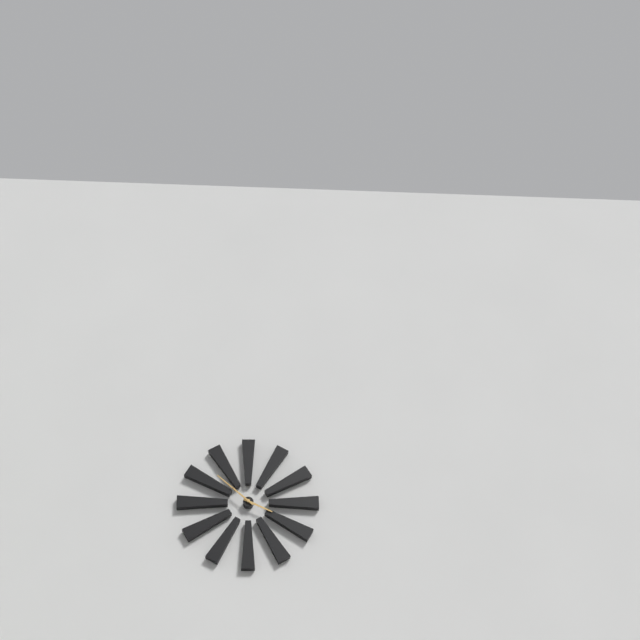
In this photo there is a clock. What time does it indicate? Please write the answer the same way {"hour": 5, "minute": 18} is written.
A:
{"hour": 3, "minute": 52}
